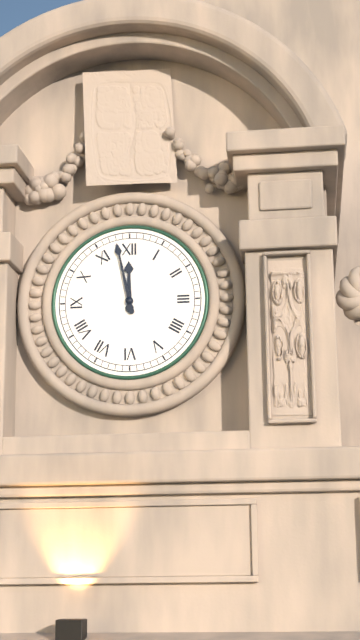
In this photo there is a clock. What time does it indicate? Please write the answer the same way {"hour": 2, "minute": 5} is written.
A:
{"hour": 11, "minute": 58}
